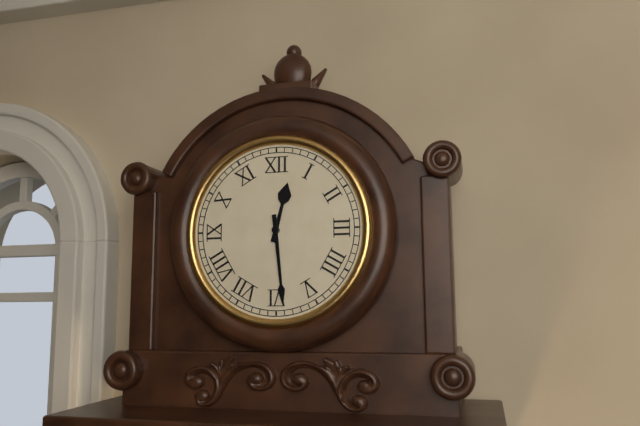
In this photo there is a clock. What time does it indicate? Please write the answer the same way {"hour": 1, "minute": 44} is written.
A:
{"hour": 12, "minute": 29}
